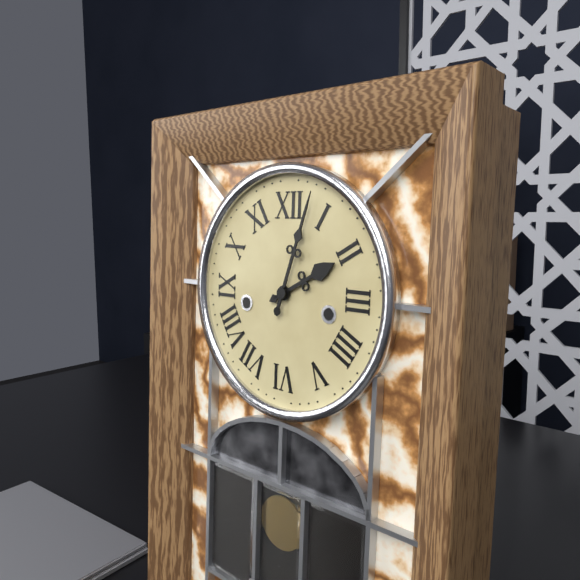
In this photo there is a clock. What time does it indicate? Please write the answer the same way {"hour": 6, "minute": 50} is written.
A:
{"hour": 2, "minute": 3}
